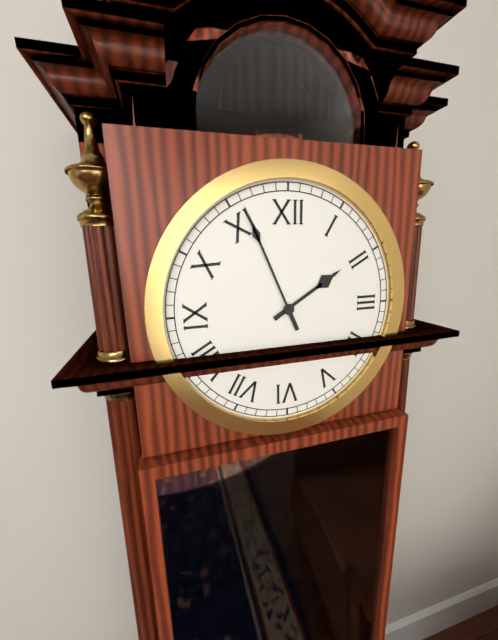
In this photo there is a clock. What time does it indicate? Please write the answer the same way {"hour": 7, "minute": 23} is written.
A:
{"hour": 1, "minute": 56}
